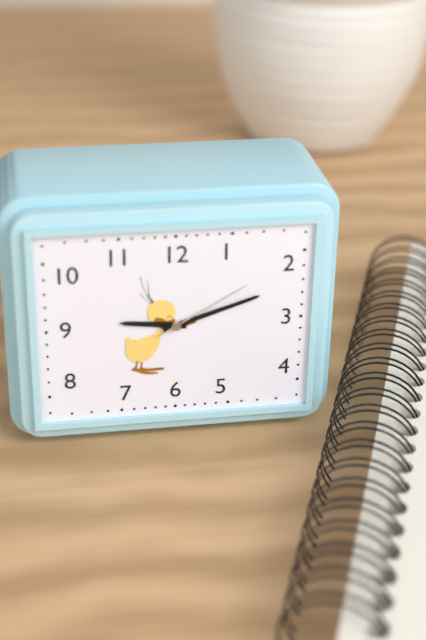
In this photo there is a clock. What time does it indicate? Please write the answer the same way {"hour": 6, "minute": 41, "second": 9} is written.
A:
{"hour": 9, "minute": 12, "second": 10}
